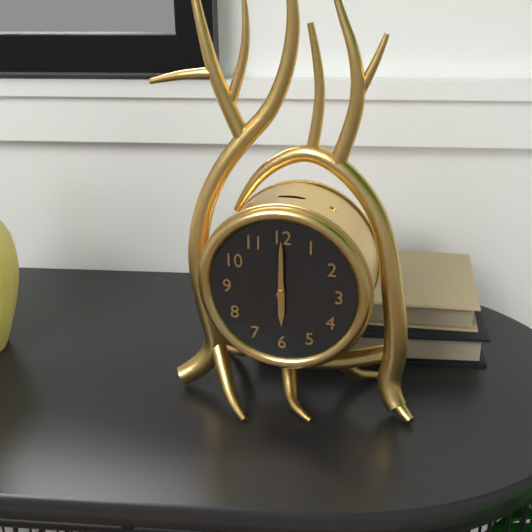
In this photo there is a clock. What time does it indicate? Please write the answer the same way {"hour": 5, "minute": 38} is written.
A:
{"hour": 6, "minute": 0}
